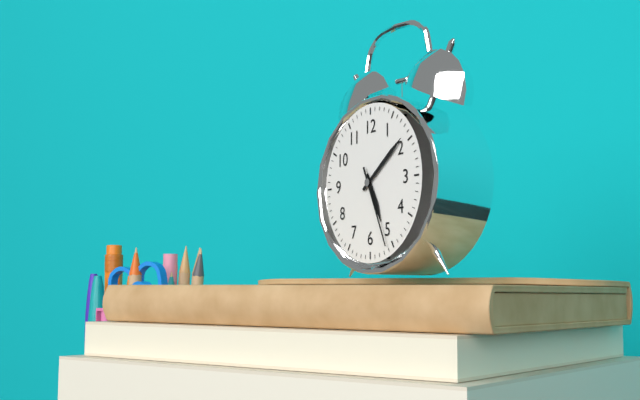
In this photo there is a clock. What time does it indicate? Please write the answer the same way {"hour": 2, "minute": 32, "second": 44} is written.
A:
{"hour": 5, "minute": 9, "second": 26}
